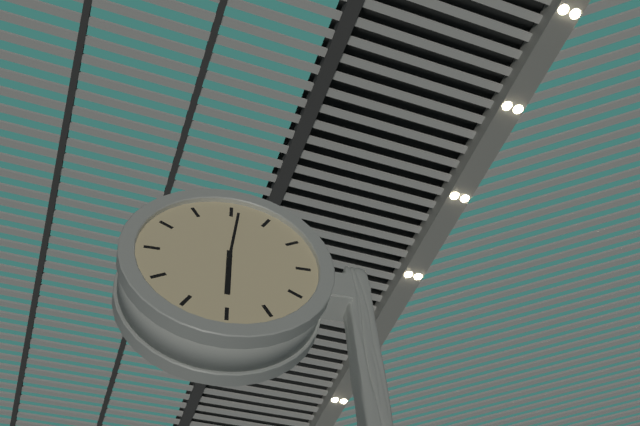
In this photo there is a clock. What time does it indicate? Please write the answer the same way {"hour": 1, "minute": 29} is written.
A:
{"hour": 6, "minute": 1}
